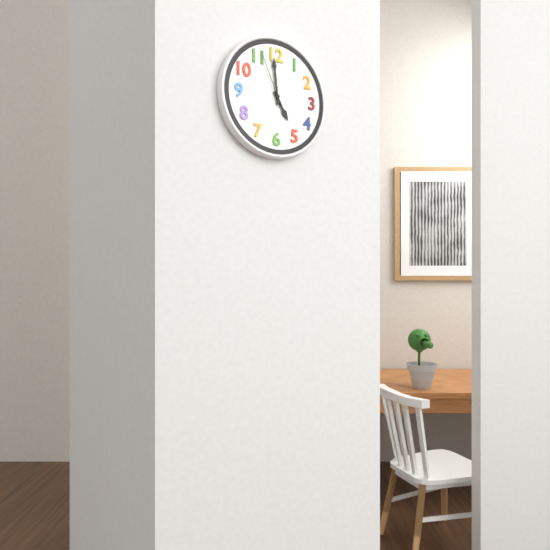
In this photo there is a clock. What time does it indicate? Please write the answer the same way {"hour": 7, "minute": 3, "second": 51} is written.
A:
{"hour": 4, "minute": 59, "second": 56}
